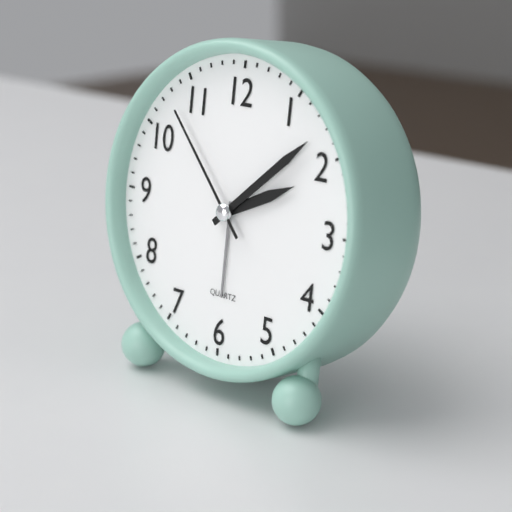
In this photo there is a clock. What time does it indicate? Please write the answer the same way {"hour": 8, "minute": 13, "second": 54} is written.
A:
{"hour": 2, "minute": 8, "second": 53}
